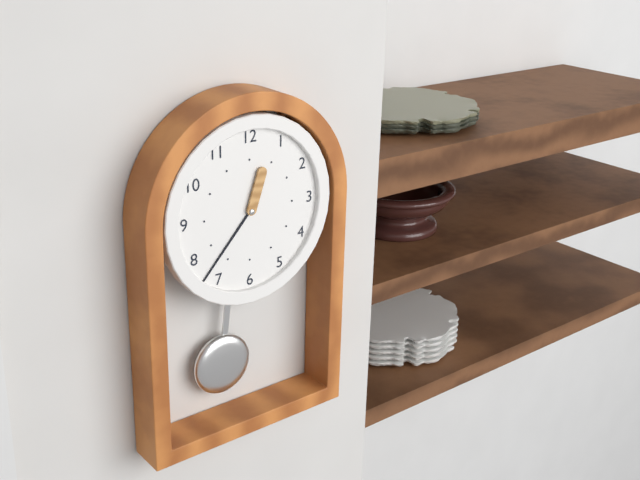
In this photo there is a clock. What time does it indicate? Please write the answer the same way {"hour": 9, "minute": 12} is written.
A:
{"hour": 12, "minute": 37}
